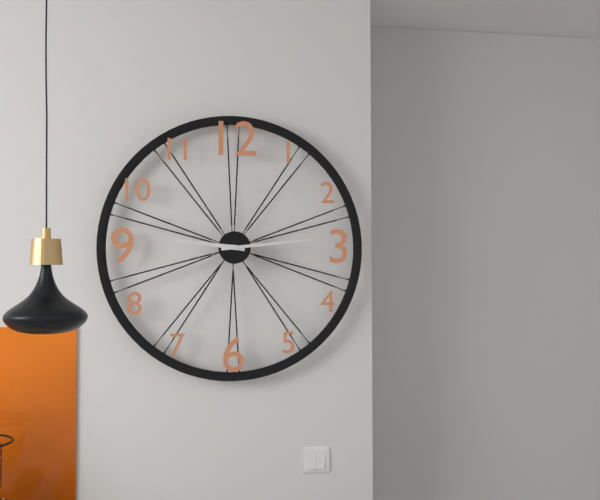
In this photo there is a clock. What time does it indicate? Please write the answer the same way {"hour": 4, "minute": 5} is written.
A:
{"hour": 9, "minute": 14}
